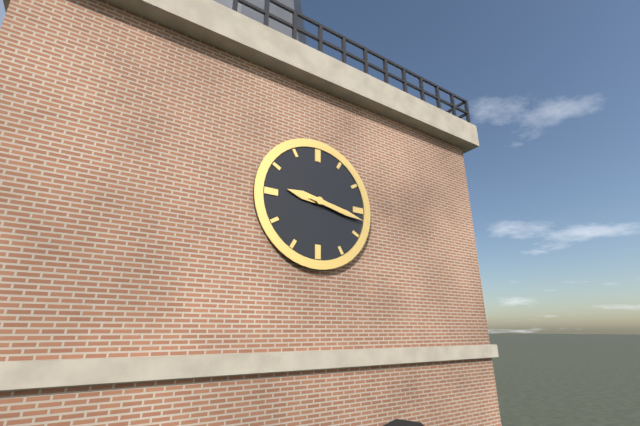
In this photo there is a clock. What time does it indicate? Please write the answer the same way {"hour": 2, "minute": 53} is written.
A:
{"hour": 9, "minute": 17}
